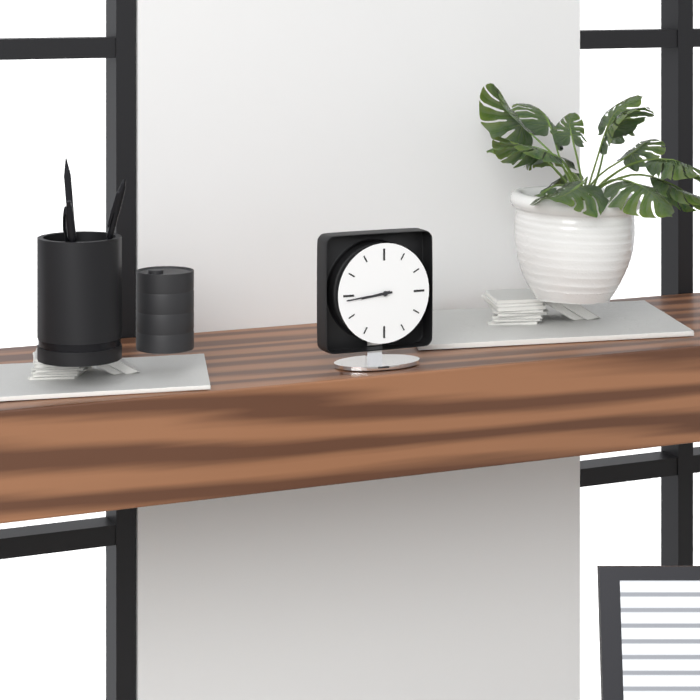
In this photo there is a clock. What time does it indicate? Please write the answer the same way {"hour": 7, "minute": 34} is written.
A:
{"hour": 8, "minute": 44}
